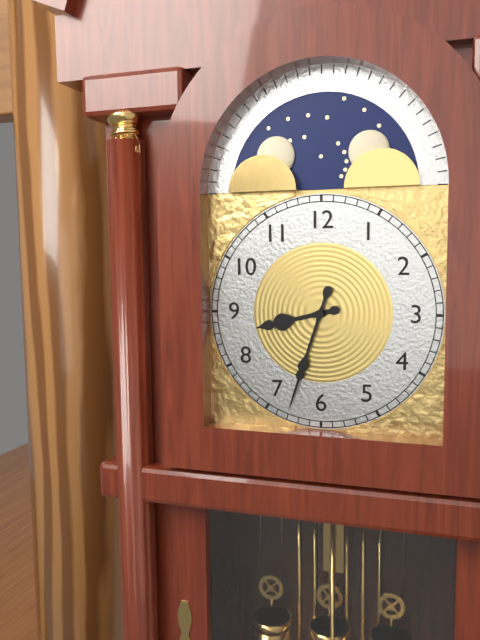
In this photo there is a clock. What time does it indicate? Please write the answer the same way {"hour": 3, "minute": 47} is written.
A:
{"hour": 8, "minute": 33}
